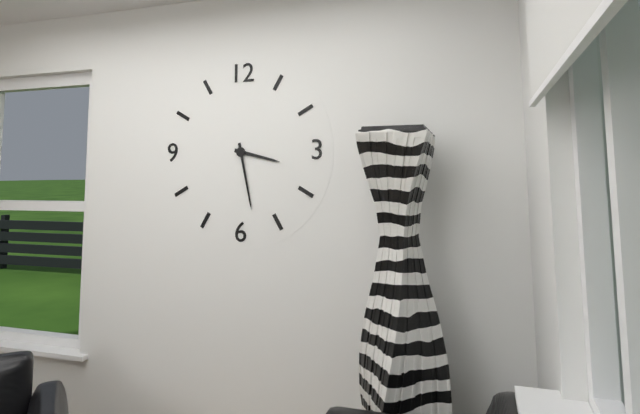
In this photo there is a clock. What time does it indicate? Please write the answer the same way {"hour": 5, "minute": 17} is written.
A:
{"hour": 3, "minute": 28}
